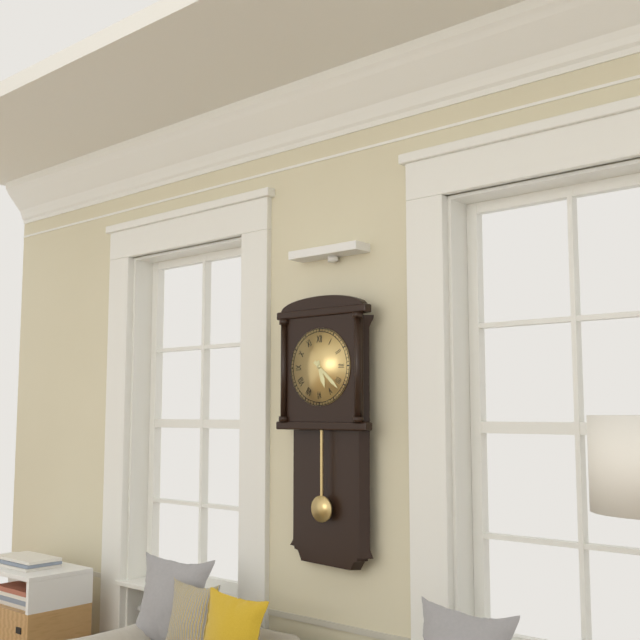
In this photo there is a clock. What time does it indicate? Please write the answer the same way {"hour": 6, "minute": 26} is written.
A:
{"hour": 5, "minute": 22}
